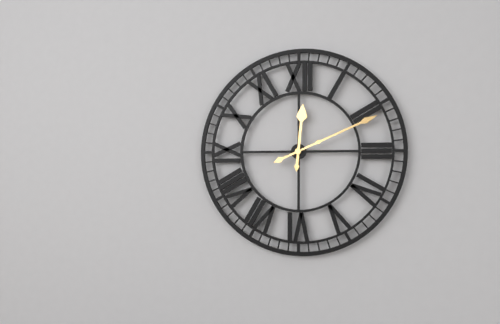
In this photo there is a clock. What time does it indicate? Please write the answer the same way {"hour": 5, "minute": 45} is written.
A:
{"hour": 12, "minute": 11}
